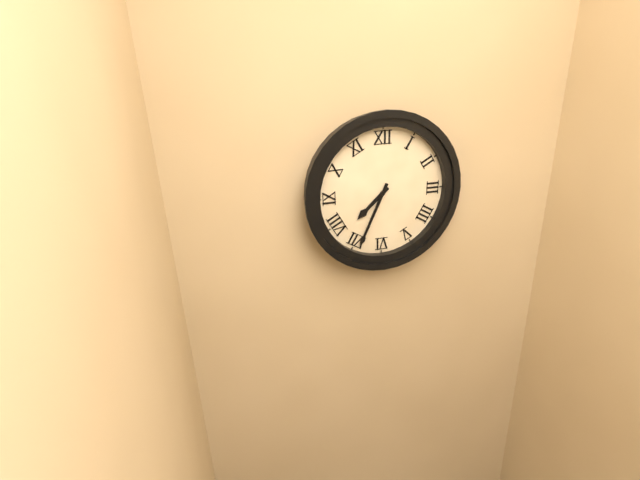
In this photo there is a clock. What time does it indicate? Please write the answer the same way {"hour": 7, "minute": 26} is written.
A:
{"hour": 7, "minute": 34}
